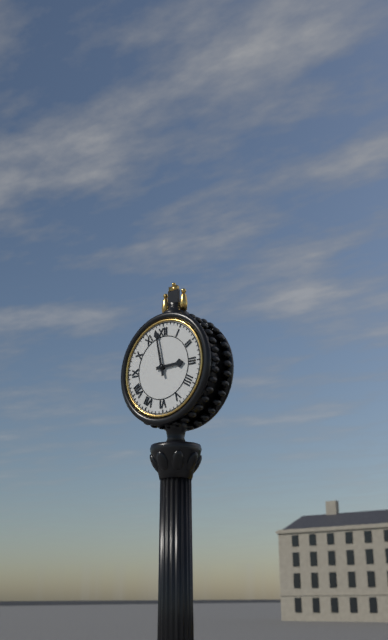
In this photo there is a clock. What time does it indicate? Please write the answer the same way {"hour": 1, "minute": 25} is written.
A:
{"hour": 2, "minute": 58}
